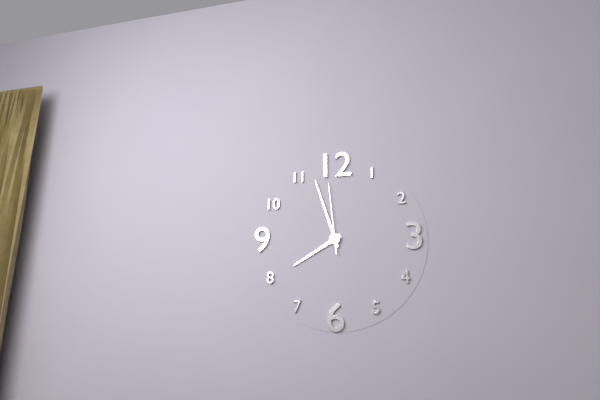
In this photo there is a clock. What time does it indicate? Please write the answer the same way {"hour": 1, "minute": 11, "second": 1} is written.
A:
{"hour": 7, "minute": 57, "second": 59}
